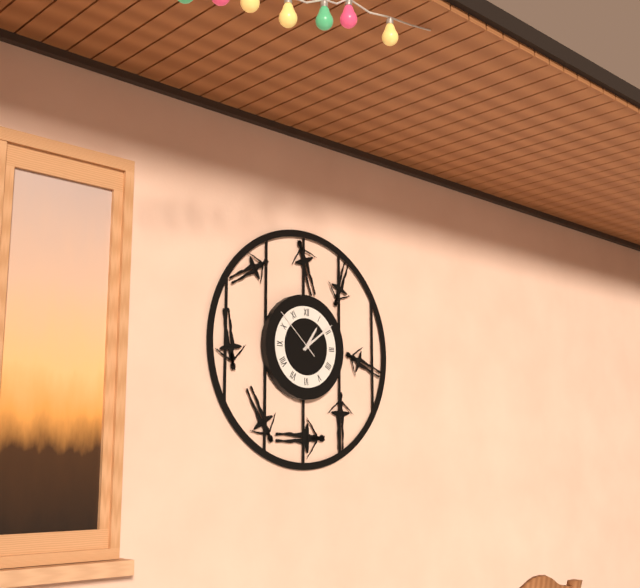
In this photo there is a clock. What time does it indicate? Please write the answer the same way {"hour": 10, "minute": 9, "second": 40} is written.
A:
{"hour": 1, "minute": 9, "second": 52}
